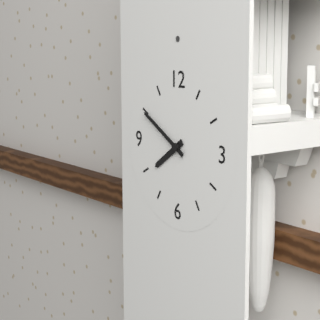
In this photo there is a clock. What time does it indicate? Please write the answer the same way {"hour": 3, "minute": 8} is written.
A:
{"hour": 7, "minute": 50}
